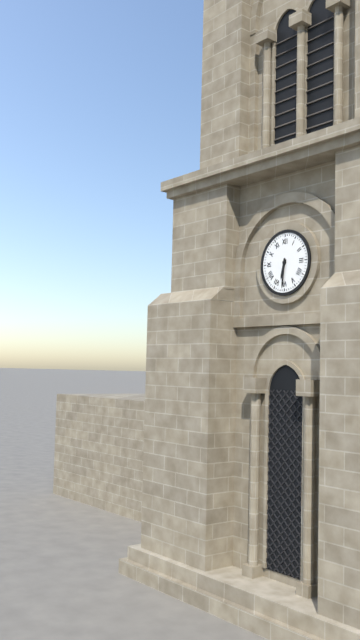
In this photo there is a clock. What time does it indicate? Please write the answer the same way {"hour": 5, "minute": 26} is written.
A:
{"hour": 6, "minute": 31}
